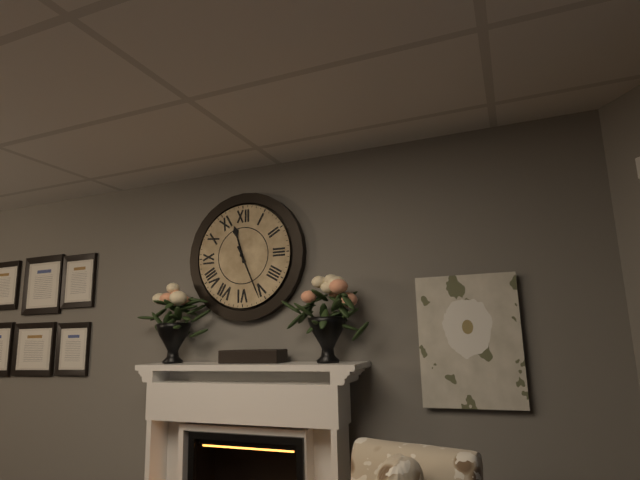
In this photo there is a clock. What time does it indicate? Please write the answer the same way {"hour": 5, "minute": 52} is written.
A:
{"hour": 11, "minute": 26}
